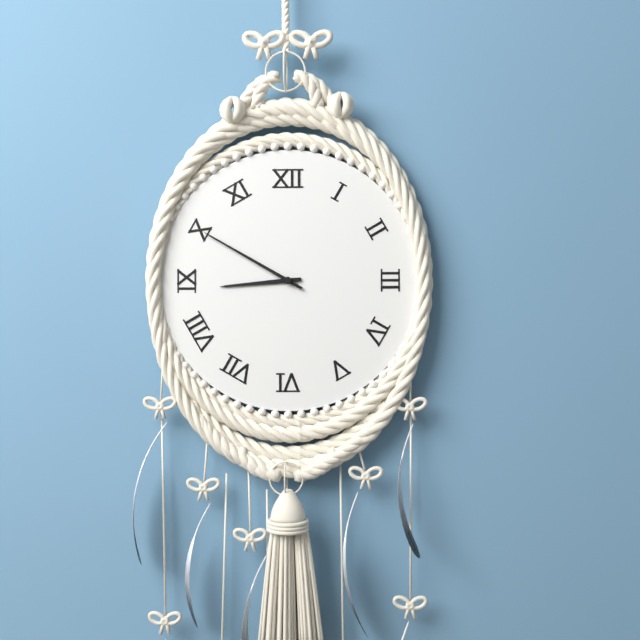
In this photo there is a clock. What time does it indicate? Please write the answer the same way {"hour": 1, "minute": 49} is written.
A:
{"hour": 8, "minute": 50}
